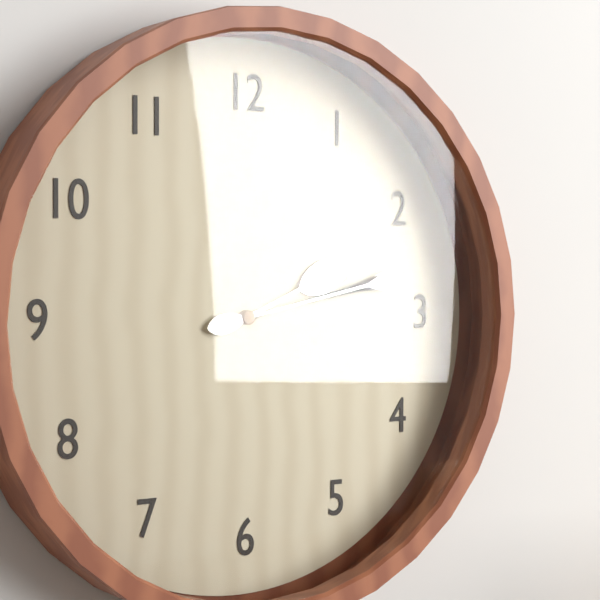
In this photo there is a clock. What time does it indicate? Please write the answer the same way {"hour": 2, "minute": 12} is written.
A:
{"hour": 2, "minute": 13}
